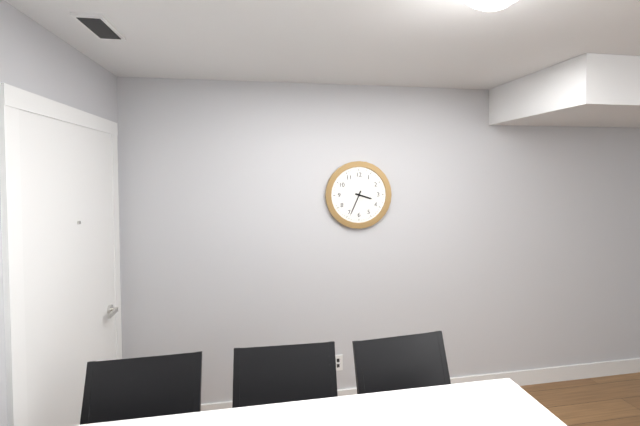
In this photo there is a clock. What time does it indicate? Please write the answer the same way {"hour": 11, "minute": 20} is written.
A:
{"hour": 3, "minute": 34}
